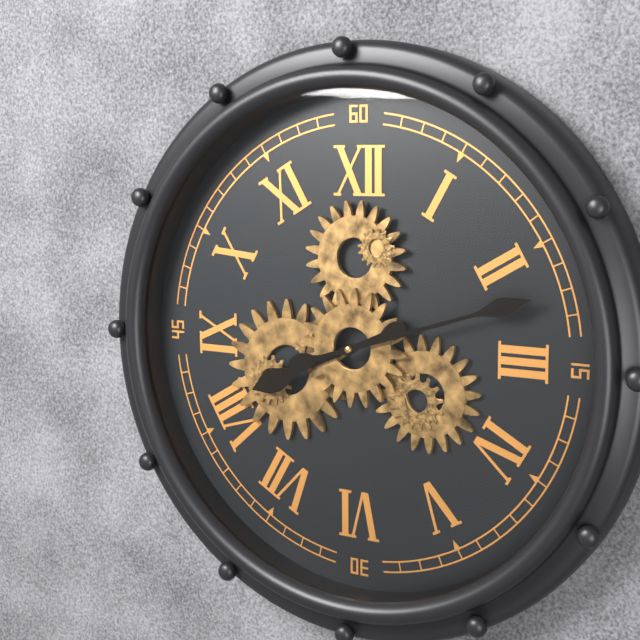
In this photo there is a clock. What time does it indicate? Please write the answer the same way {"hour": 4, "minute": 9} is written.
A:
{"hour": 8, "minute": 12}
